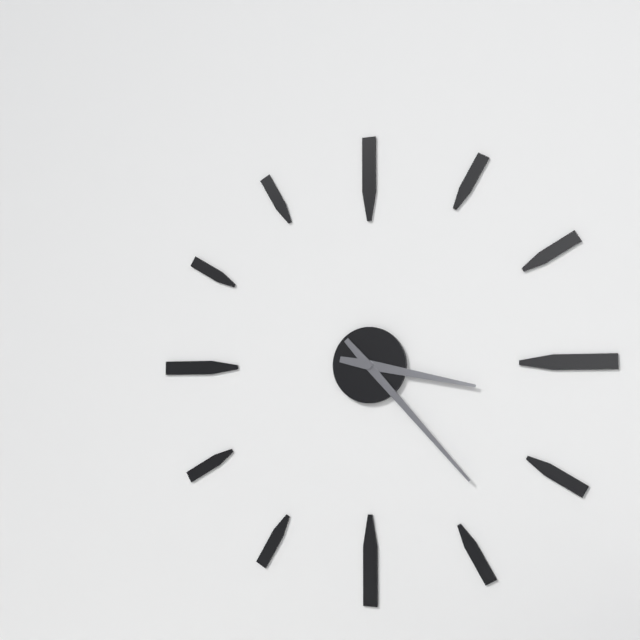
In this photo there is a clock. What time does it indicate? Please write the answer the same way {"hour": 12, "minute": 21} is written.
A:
{"hour": 3, "minute": 23}
